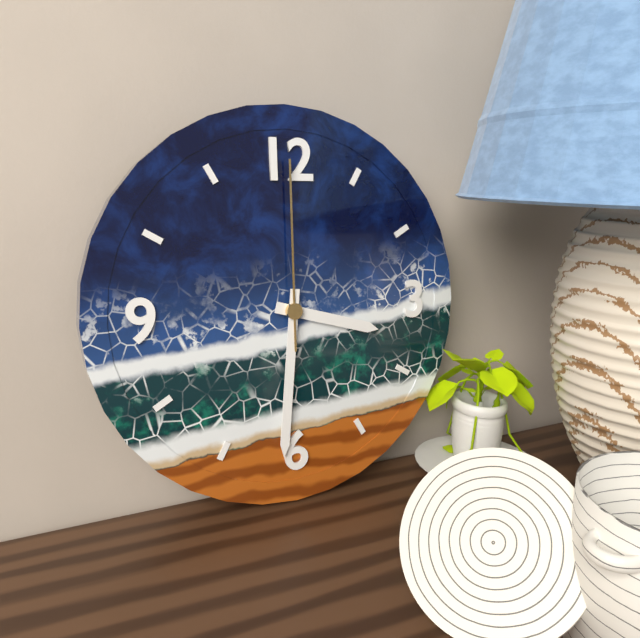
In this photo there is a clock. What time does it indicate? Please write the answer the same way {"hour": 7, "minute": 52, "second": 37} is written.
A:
{"hour": 3, "minute": 31, "second": 0}
